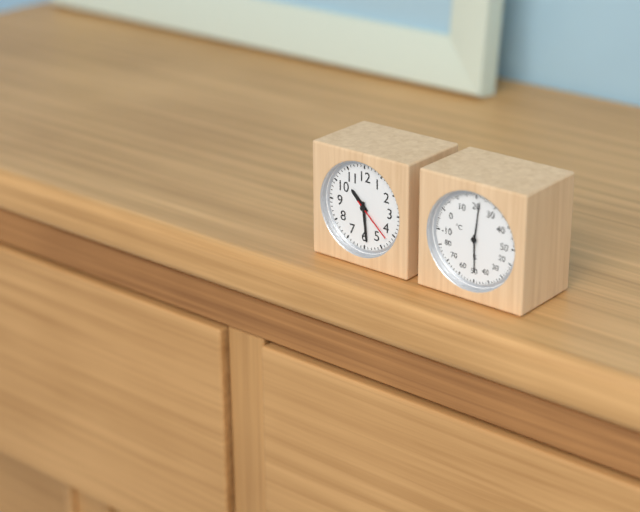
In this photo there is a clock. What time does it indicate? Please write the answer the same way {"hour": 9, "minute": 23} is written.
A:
{"hour": 10, "minute": 29}
